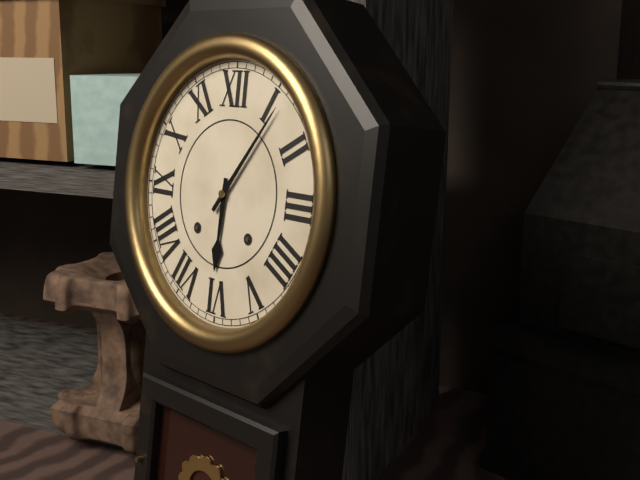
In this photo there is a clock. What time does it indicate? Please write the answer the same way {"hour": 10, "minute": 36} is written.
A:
{"hour": 6, "minute": 6}
